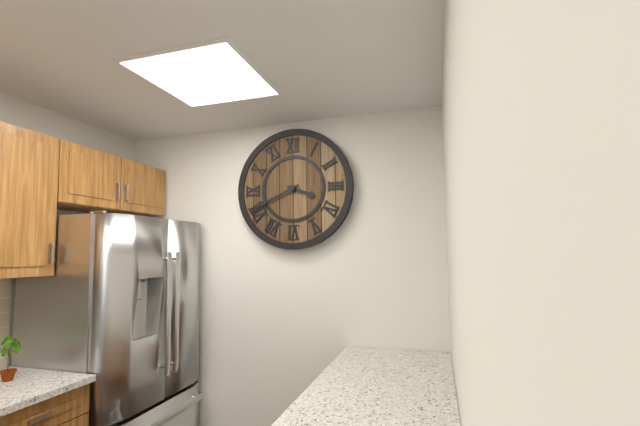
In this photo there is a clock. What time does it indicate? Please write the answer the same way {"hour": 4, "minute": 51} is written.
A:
{"hour": 3, "minute": 41}
